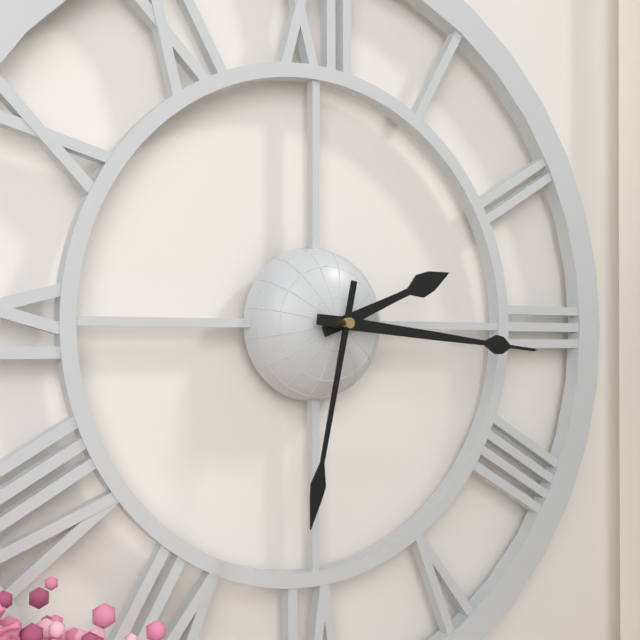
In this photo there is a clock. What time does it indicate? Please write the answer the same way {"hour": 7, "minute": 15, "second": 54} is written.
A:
{"hour": 2, "minute": 16, "second": 32}
